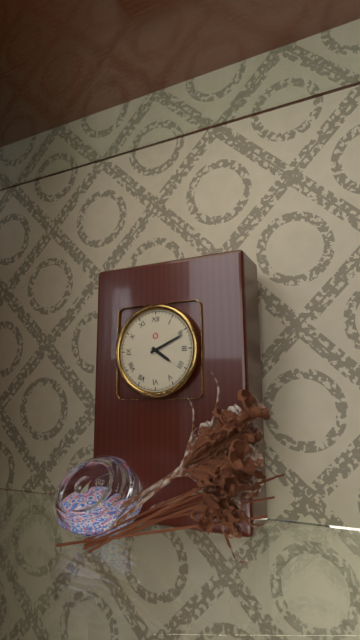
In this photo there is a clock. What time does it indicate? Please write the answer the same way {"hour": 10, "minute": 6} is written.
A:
{"hour": 4, "minute": 11}
